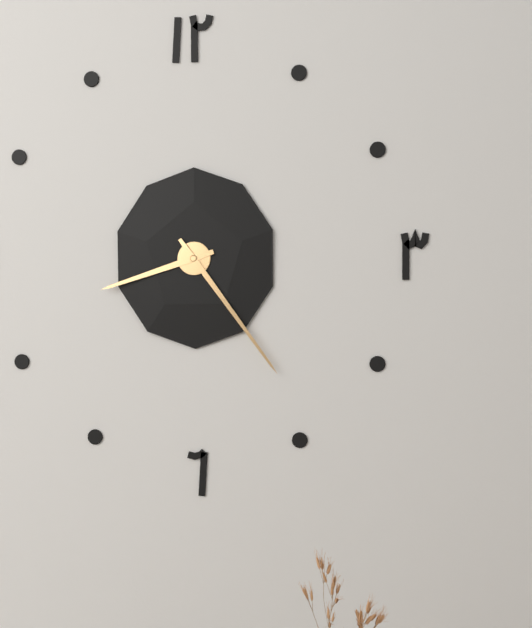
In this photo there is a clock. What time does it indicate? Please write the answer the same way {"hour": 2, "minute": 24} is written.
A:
{"hour": 8, "minute": 24}
